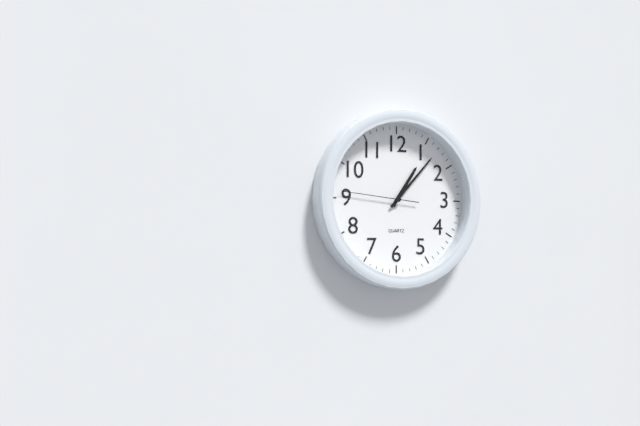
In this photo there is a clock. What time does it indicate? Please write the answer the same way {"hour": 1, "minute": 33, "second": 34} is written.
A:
{"hour": 1, "minute": 7, "second": 46}
